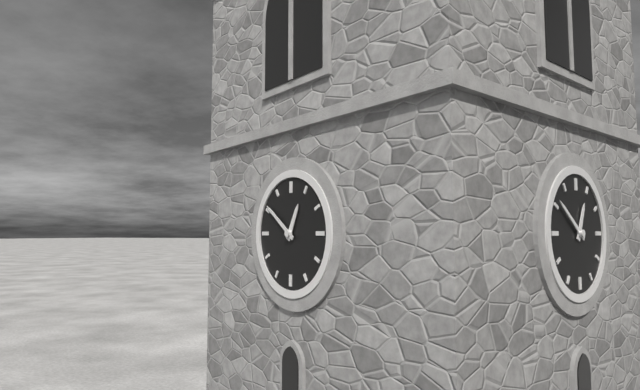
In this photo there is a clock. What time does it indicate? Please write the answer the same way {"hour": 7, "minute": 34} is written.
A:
{"hour": 12, "minute": 51}
